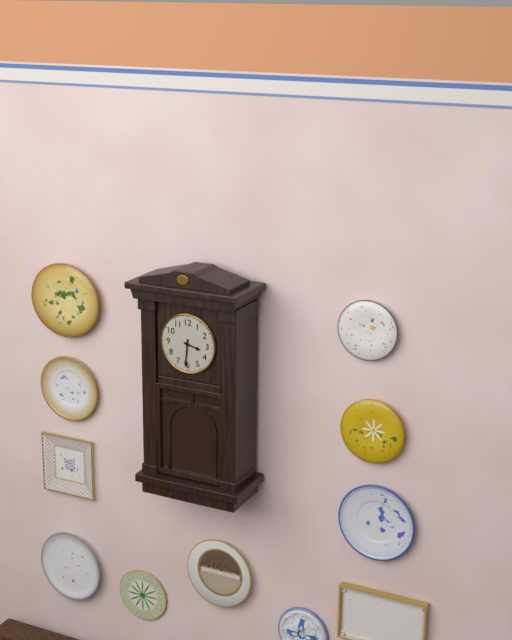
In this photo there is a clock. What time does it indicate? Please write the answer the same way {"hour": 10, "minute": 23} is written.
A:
{"hour": 3, "minute": 31}
